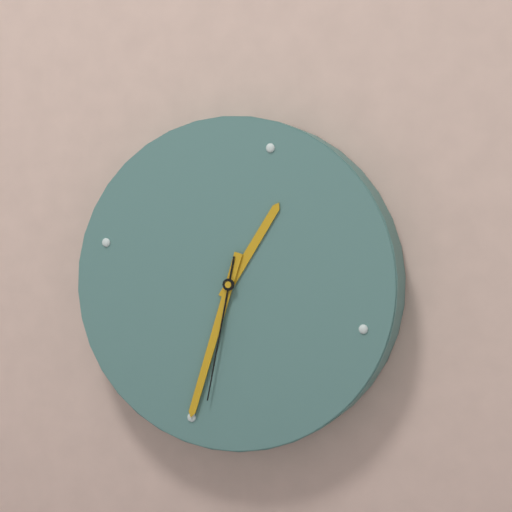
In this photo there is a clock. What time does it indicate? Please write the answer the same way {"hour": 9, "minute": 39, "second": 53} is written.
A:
{"hour": 12, "minute": 30, "second": 29}
